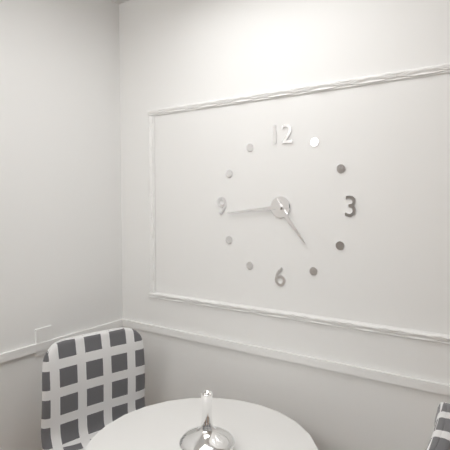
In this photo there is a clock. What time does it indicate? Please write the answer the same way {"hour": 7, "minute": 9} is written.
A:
{"hour": 4, "minute": 44}
